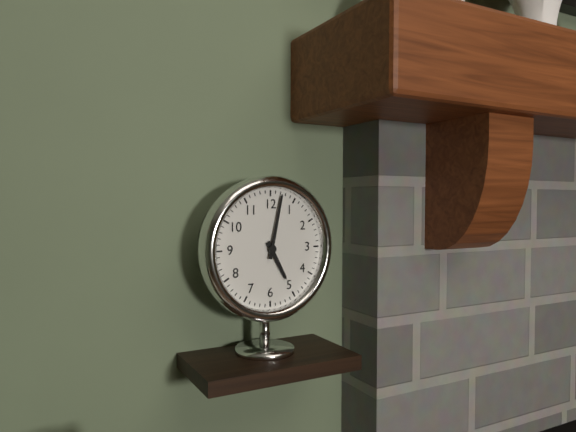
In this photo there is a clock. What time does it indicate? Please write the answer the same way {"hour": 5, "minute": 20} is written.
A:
{"hour": 5, "minute": 2}
